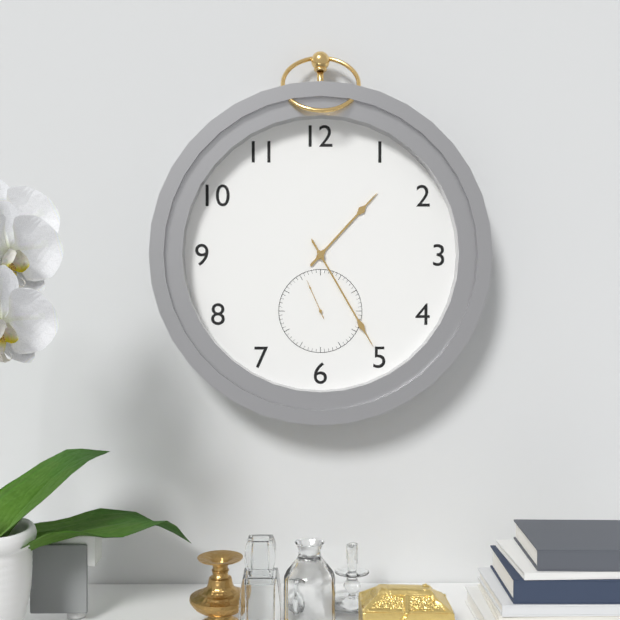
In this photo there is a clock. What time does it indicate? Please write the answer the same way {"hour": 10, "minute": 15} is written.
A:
{"hour": 1, "minute": 25}
